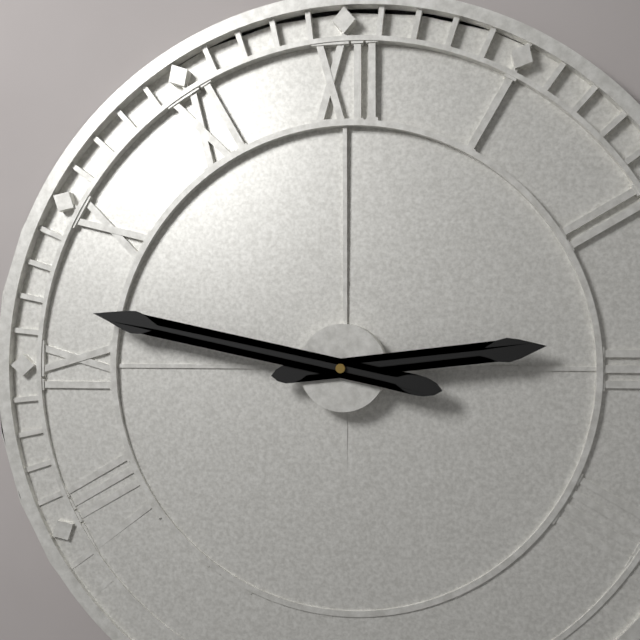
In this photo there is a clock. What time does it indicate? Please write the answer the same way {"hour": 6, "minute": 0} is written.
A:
{"hour": 2, "minute": 47}
